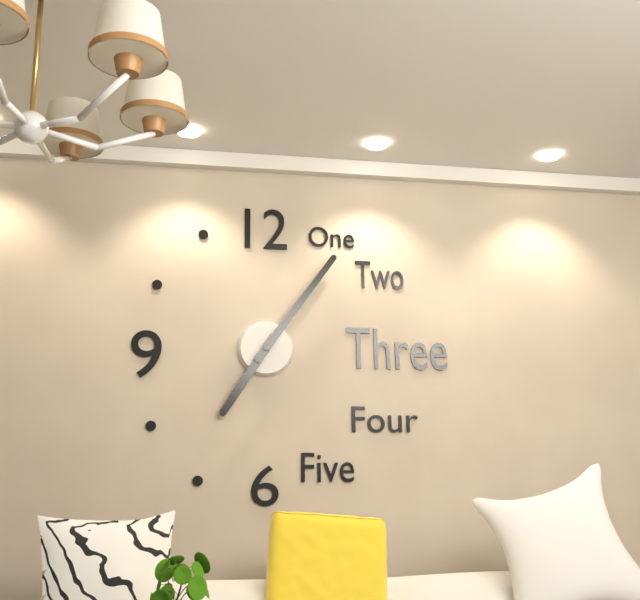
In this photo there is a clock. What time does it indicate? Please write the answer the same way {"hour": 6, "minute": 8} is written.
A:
{"hour": 7, "minute": 6}
